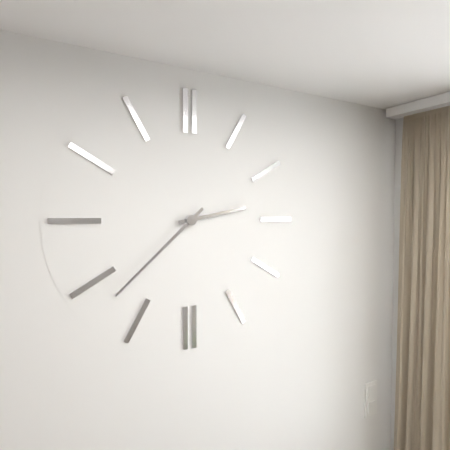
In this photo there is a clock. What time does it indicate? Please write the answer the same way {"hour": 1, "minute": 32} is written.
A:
{"hour": 2, "minute": 38}
